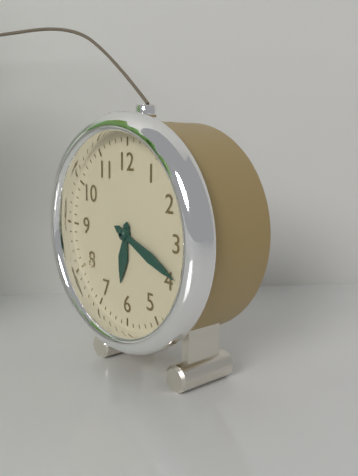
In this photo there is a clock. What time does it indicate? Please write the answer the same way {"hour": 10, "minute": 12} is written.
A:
{"hour": 6, "minute": 19}
